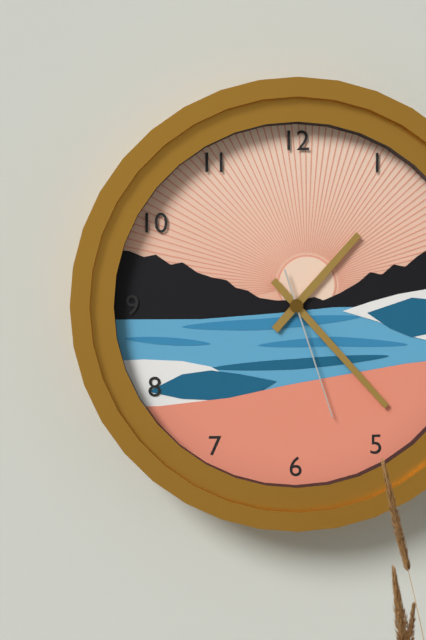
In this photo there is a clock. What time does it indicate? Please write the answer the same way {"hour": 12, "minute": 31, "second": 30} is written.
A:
{"hour": 1, "minute": 23, "second": 27}
